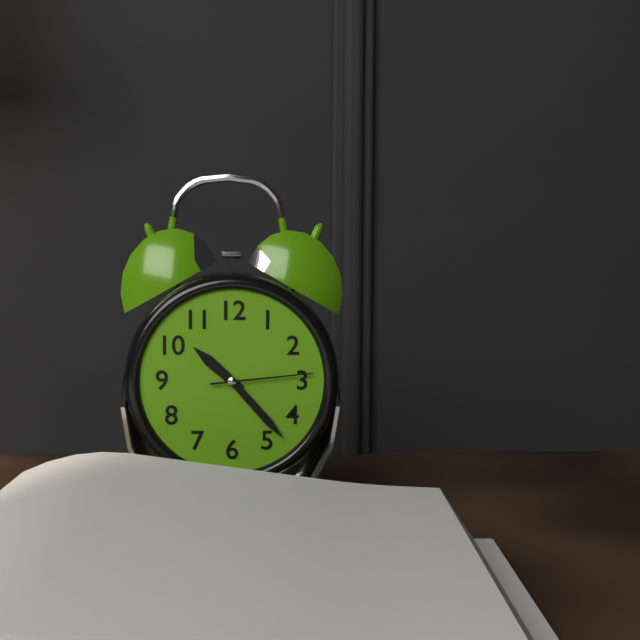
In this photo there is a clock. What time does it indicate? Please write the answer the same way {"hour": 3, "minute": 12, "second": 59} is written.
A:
{"hour": 10, "minute": 23, "second": 14}
